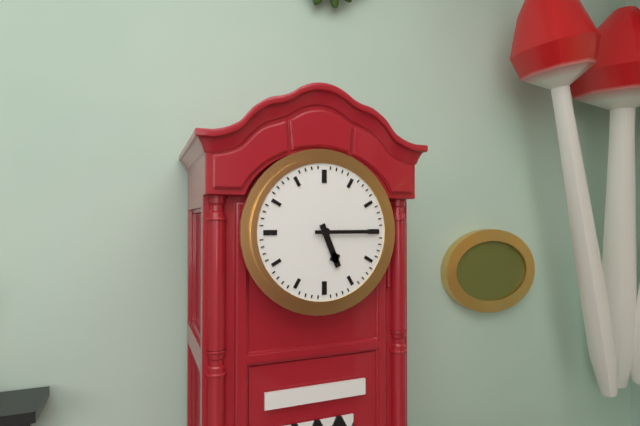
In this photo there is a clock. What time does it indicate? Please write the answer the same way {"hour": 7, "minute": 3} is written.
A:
{"hour": 5, "minute": 15}
